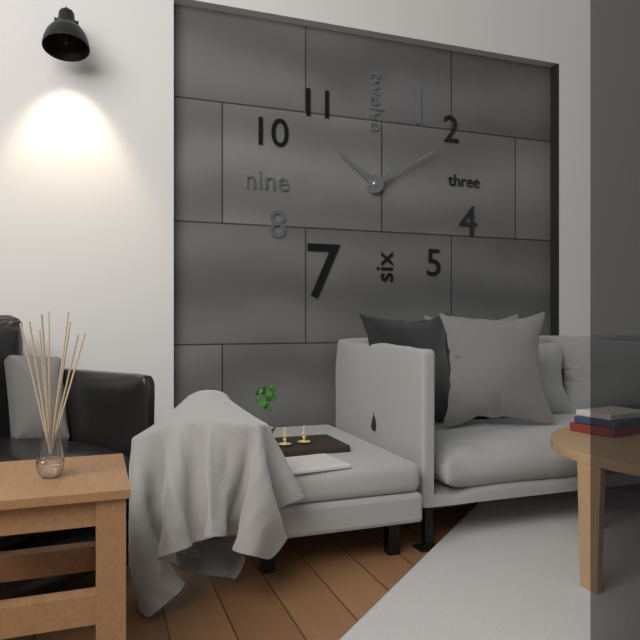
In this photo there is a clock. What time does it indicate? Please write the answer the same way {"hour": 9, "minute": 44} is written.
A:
{"hour": 10, "minute": 10}
